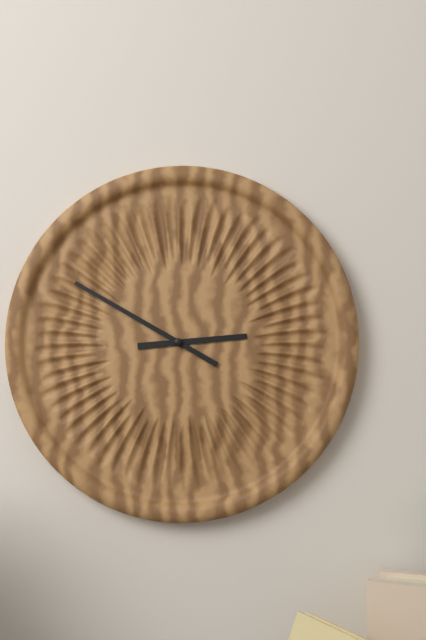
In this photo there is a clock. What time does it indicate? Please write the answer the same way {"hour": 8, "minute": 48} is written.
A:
{"hour": 2, "minute": 50}
